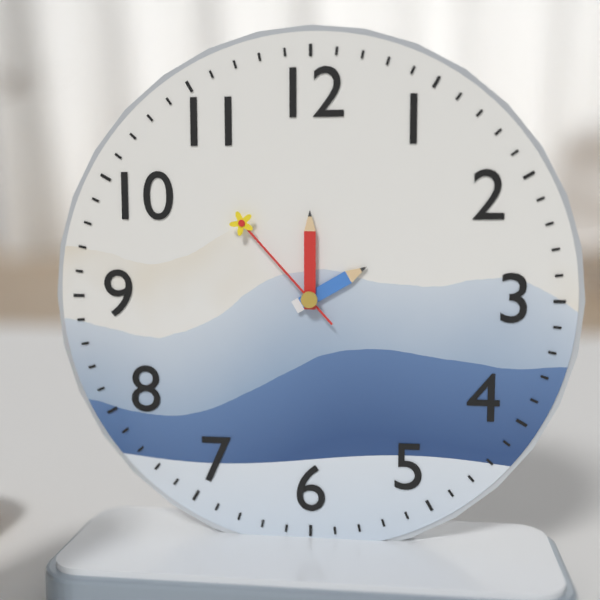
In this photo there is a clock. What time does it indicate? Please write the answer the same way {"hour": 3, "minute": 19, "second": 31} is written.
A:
{"hour": 2, "minute": 0, "second": 53}
